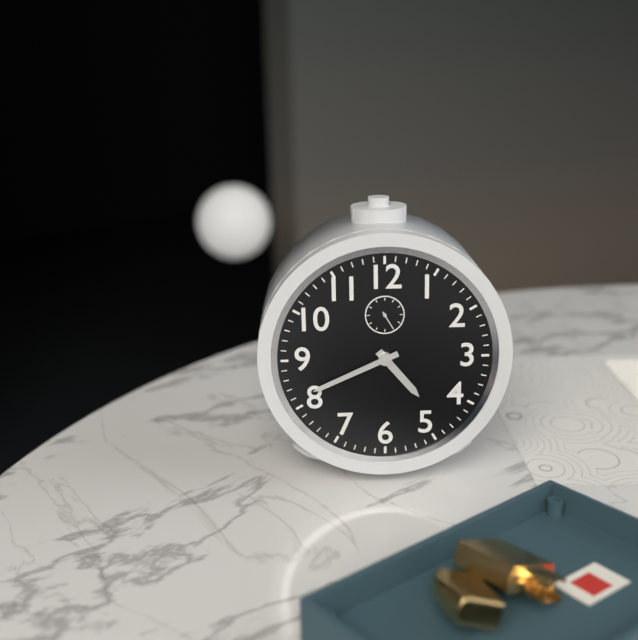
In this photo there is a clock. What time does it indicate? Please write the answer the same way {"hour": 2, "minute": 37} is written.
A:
{"hour": 4, "minute": 41}
